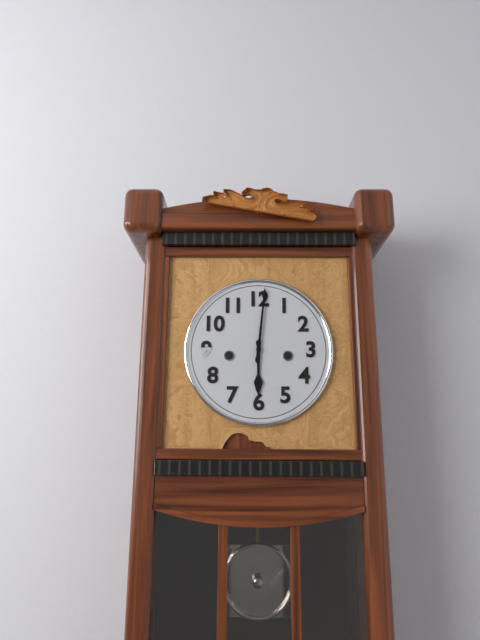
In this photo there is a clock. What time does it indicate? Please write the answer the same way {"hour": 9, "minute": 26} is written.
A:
{"hour": 6, "minute": 1}
